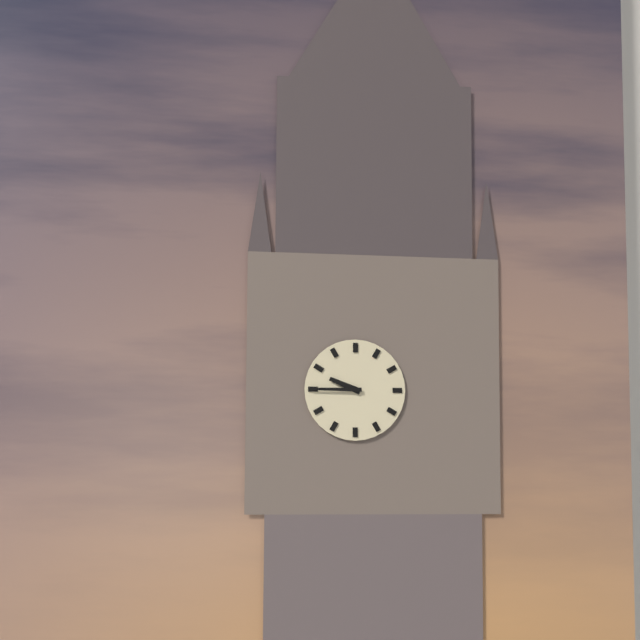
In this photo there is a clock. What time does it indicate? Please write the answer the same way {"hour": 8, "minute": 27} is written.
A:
{"hour": 9, "minute": 45}
